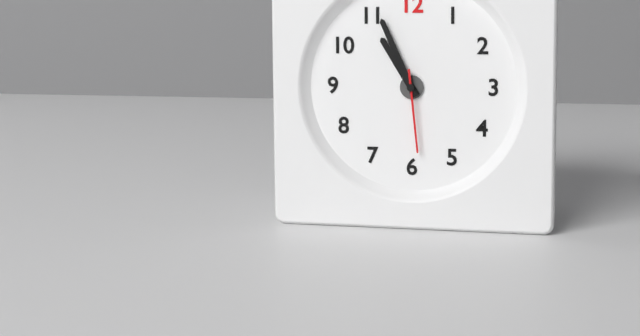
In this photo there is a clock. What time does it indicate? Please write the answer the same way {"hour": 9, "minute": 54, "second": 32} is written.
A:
{"hour": 10, "minute": 56, "second": 29}
